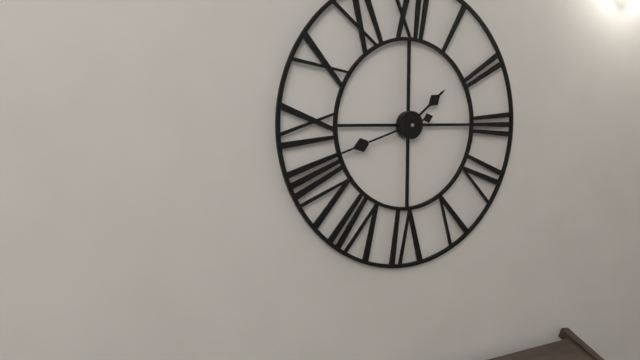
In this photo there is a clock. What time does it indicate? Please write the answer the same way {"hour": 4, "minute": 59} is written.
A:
{"hour": 1, "minute": 42}
